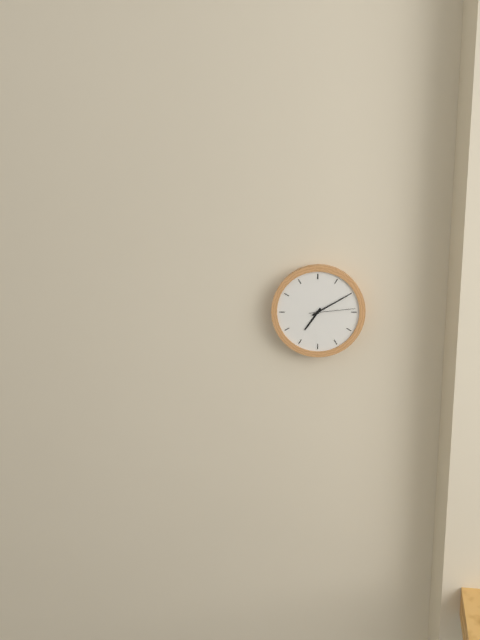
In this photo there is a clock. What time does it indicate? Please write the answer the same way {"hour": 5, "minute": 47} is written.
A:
{"hour": 7, "minute": 10}
